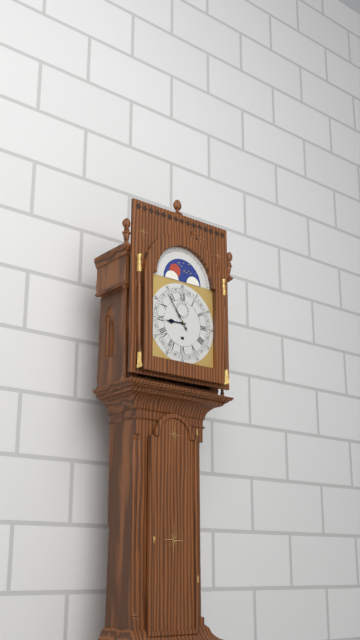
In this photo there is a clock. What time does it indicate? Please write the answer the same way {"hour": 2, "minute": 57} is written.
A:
{"hour": 8, "minute": 54}
